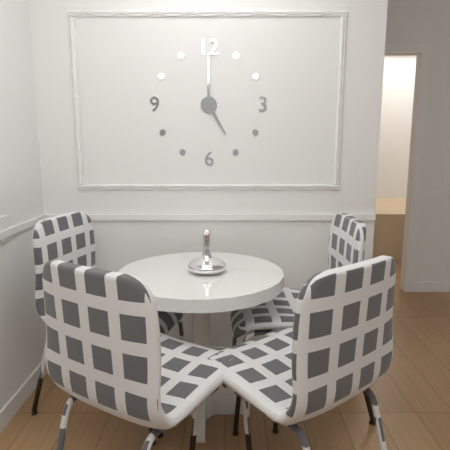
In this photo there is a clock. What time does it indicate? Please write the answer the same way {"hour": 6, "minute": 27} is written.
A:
{"hour": 5, "minute": 0}
